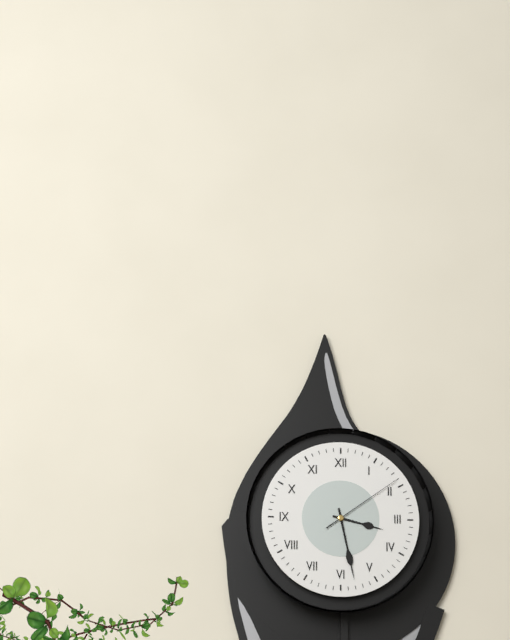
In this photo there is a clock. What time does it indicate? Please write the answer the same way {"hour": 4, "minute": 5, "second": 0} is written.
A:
{"hour": 3, "minute": 28, "second": 9}
